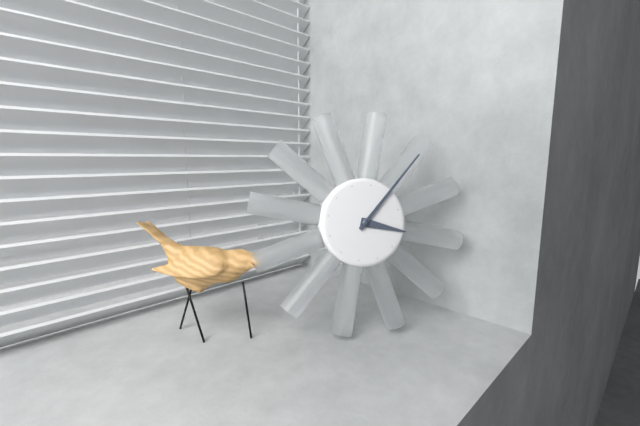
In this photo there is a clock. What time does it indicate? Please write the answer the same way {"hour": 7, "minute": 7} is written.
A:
{"hour": 3, "minute": 5}
